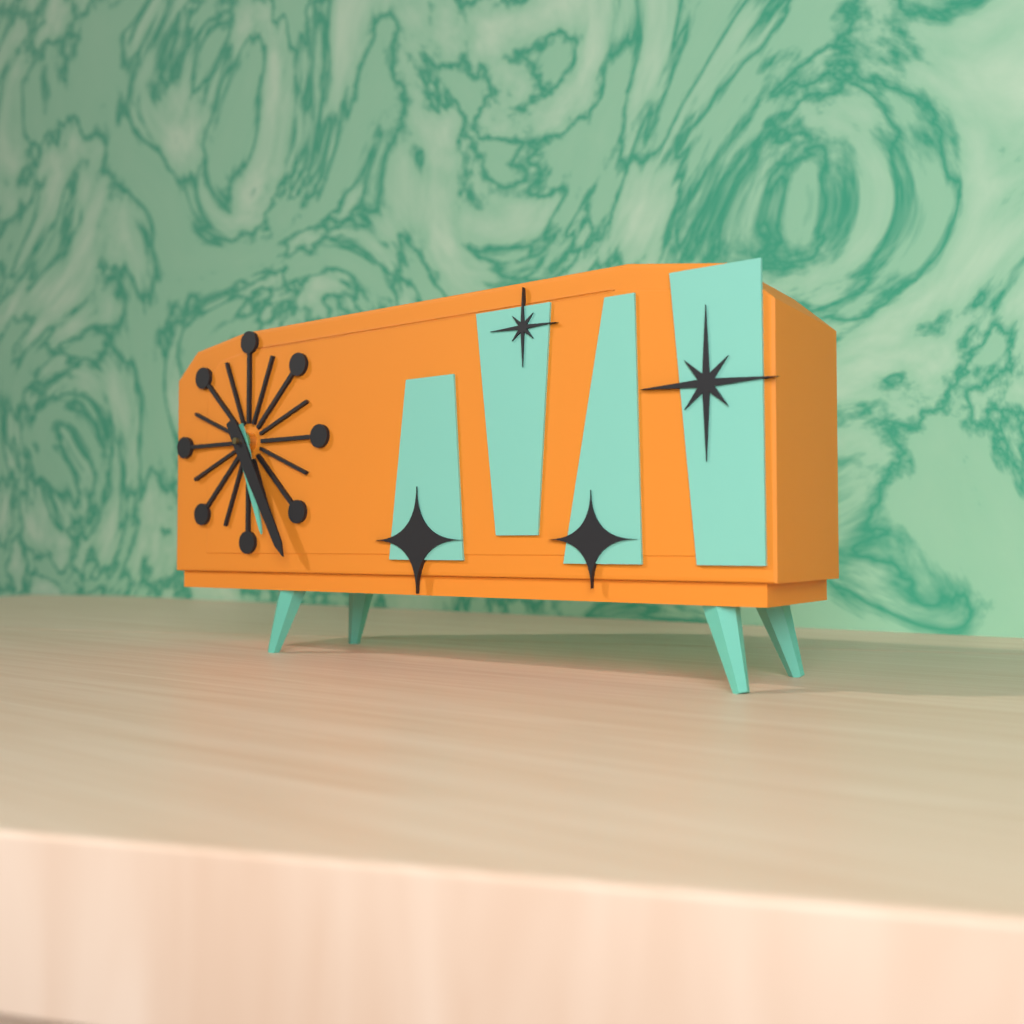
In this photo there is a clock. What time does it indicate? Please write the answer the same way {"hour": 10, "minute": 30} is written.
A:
{"hour": 5, "minute": 25}
